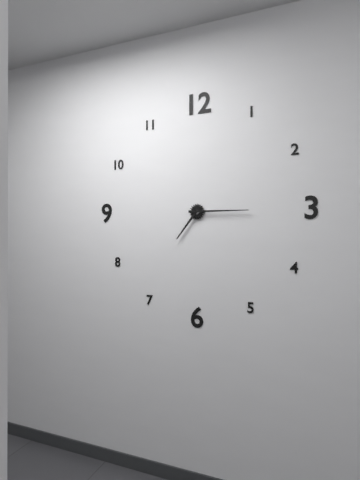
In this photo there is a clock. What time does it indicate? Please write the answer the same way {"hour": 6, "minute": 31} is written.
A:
{"hour": 7, "minute": 15}
